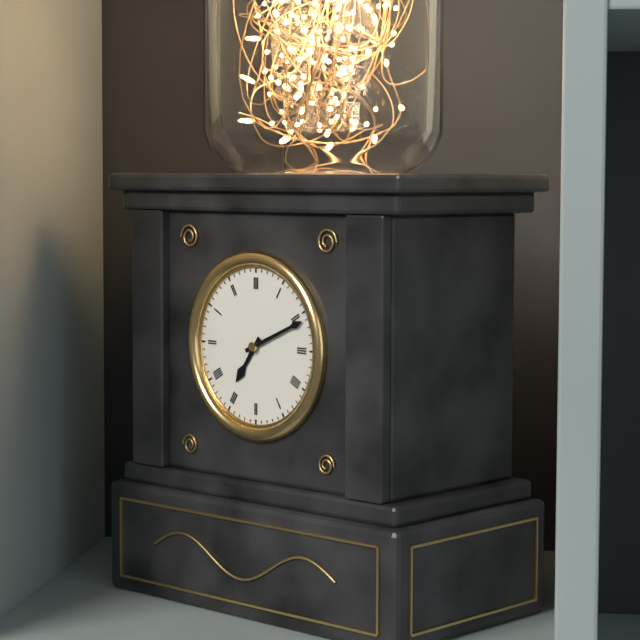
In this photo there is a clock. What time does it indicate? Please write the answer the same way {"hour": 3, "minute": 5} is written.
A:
{"hour": 7, "minute": 11}
